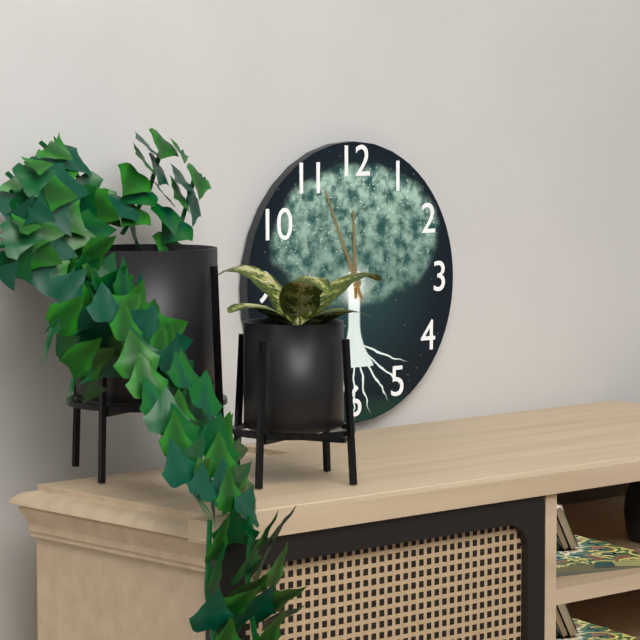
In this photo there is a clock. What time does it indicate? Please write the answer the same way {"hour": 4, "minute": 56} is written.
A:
{"hour": 11, "minute": 56}
